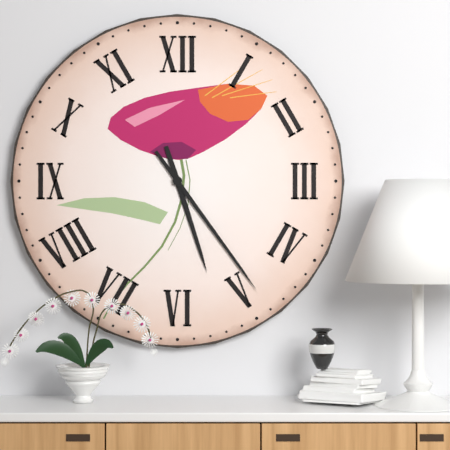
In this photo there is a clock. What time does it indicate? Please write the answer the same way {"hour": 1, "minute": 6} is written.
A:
{"hour": 5, "minute": 24}
